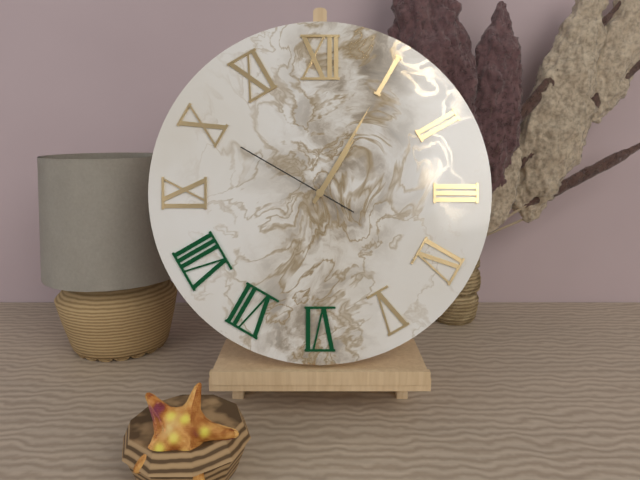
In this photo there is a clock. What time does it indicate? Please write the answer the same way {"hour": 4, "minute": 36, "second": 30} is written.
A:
{"hour": 1, "minute": 5, "second": 50}
